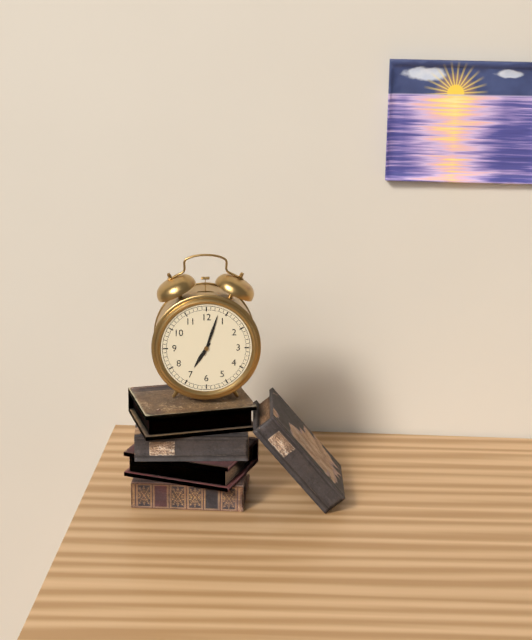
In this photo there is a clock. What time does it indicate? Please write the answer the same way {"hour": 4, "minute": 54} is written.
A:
{"hour": 7, "minute": 3}
